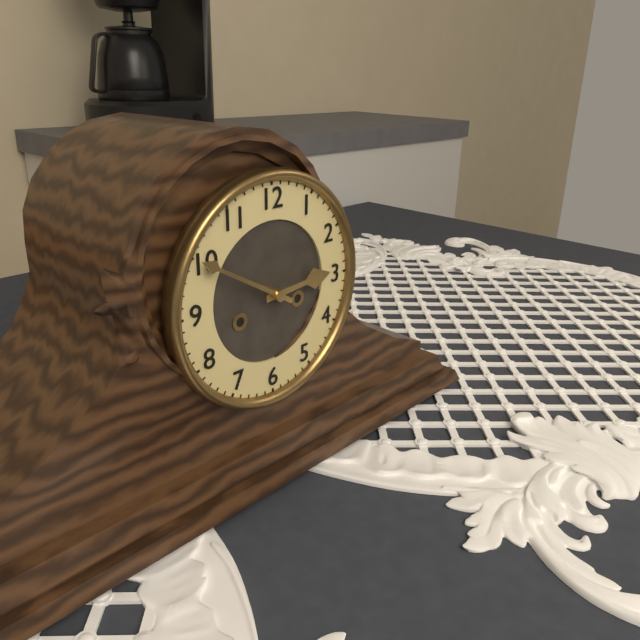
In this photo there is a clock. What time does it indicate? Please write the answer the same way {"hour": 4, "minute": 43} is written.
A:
{"hour": 2, "minute": 50}
